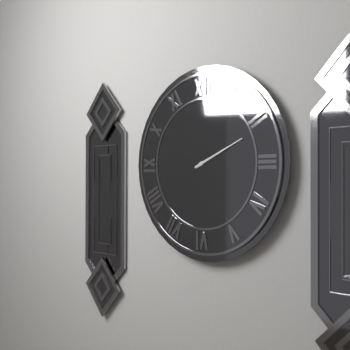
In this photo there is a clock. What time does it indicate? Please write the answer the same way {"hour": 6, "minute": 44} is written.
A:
{"hour": 2, "minute": 11}
